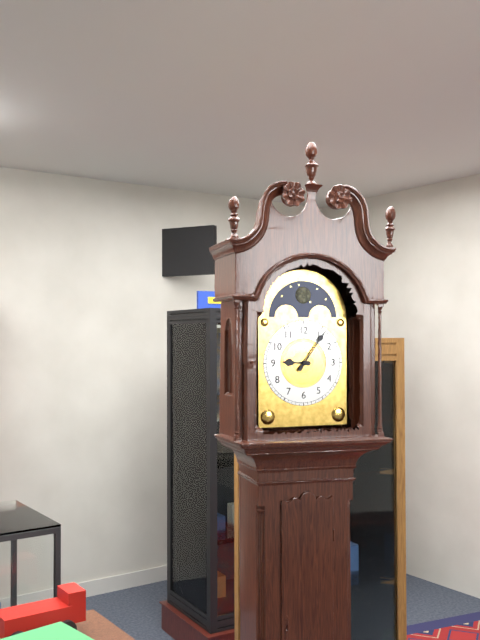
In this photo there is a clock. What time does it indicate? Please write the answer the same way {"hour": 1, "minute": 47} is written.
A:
{"hour": 9, "minute": 6}
